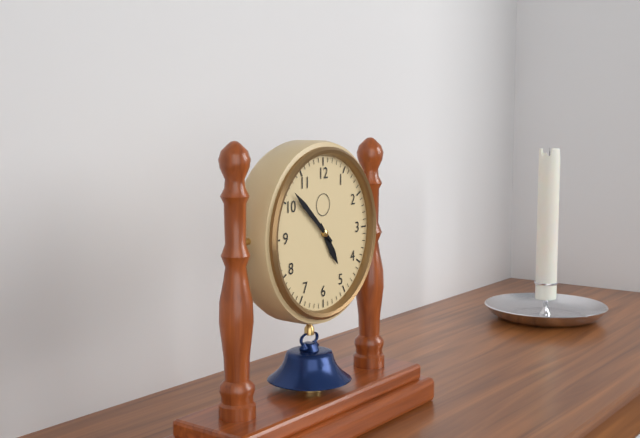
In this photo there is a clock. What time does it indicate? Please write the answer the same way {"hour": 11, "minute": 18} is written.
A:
{"hour": 4, "minute": 52}
